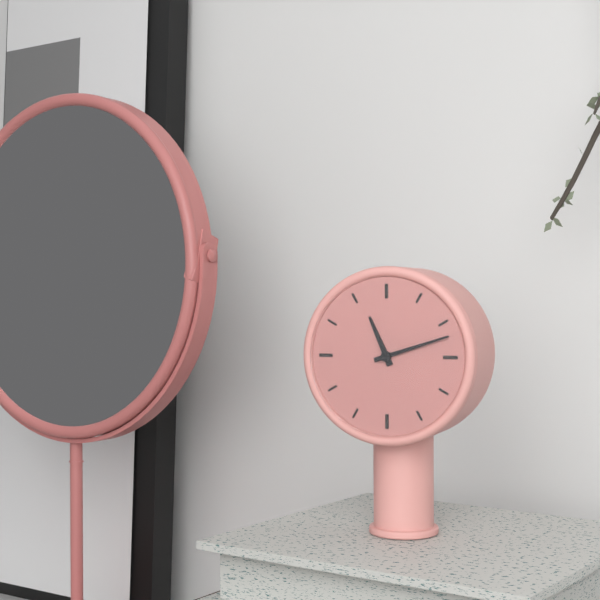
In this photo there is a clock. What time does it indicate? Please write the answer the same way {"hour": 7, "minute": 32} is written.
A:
{"hour": 11, "minute": 12}
